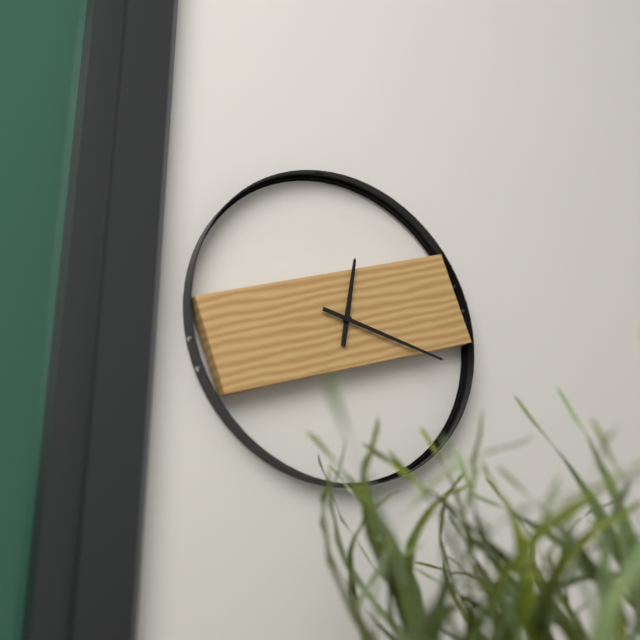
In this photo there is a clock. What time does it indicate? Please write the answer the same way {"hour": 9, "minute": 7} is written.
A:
{"hour": 12, "minute": 17}
